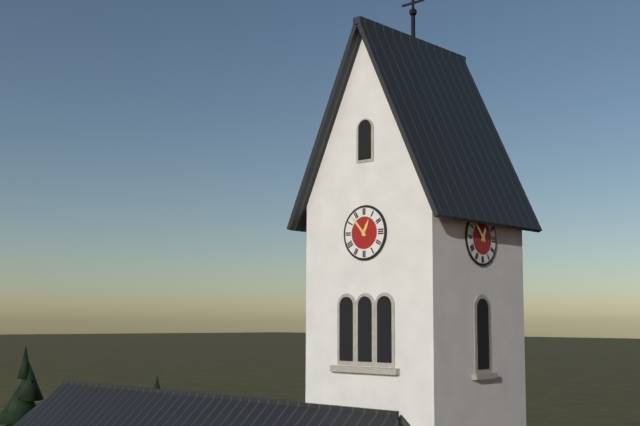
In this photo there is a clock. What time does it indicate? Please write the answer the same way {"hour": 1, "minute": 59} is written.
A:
{"hour": 12, "minute": 53}
